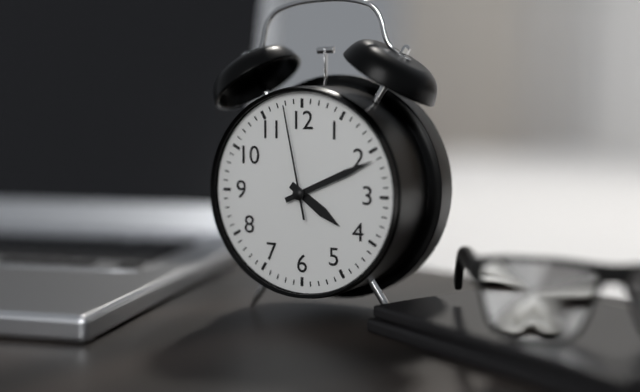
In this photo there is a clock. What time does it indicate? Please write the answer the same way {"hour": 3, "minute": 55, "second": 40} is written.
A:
{"hour": 4, "minute": 11, "second": 58}
